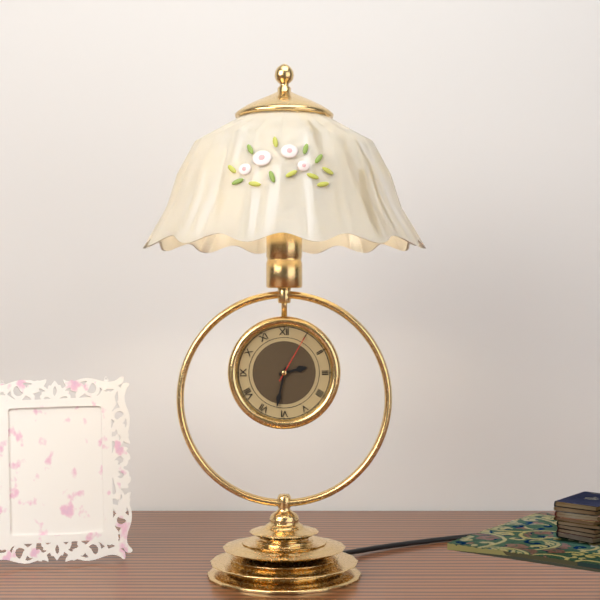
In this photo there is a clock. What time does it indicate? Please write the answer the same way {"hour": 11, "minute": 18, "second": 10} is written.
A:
{"hour": 2, "minute": 32, "second": 5}
